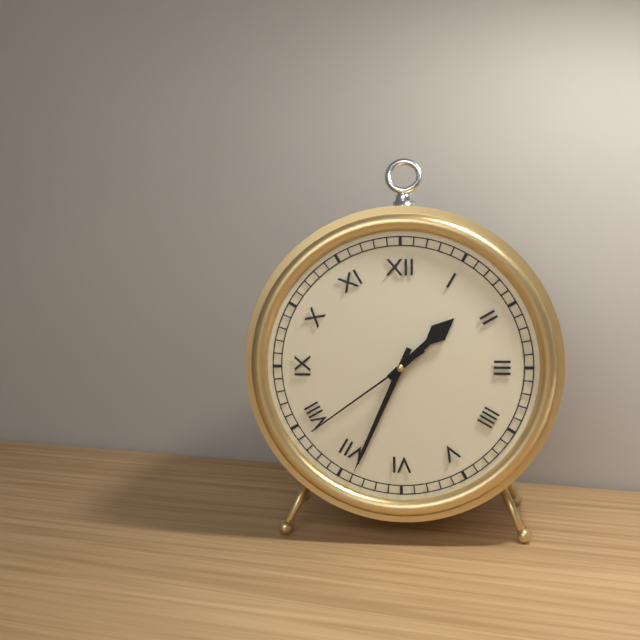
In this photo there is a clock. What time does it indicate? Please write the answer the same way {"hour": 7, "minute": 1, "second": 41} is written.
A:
{"hour": 1, "minute": 34, "second": 39}
